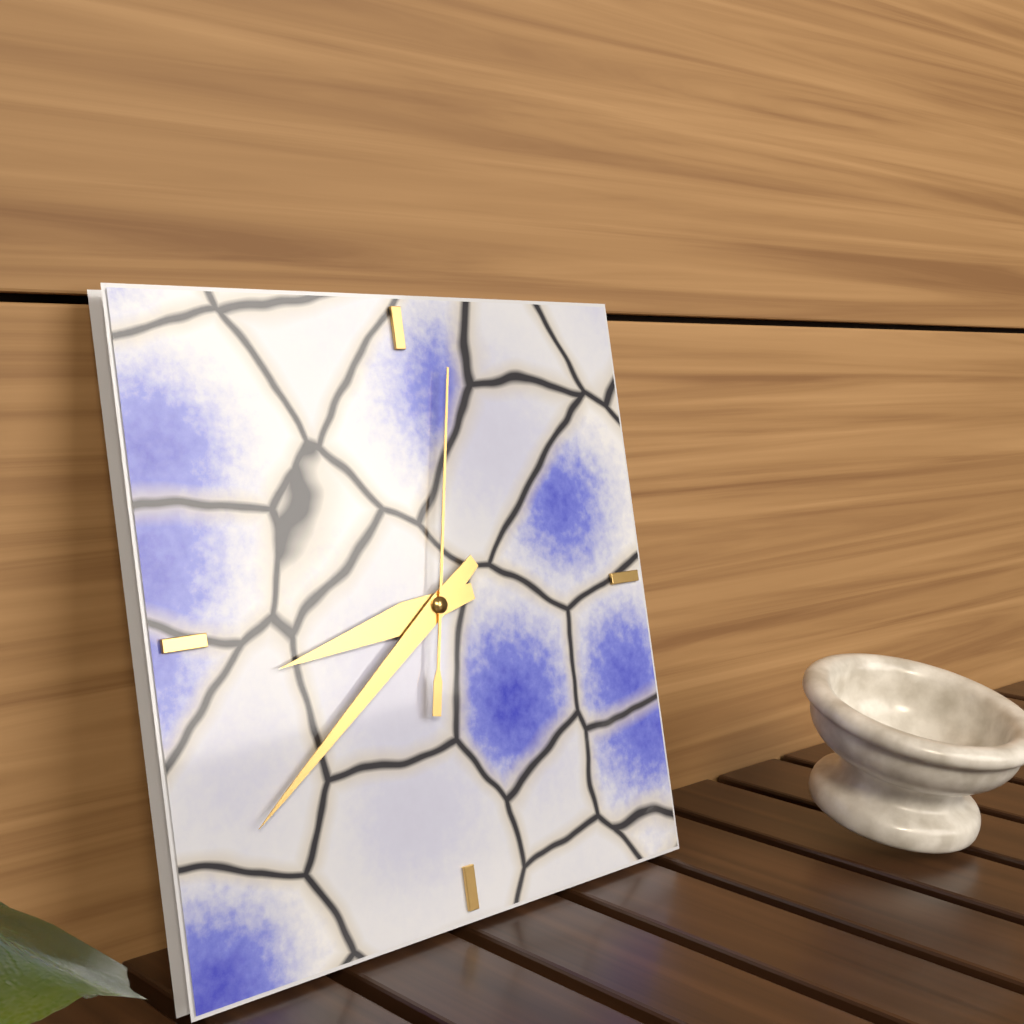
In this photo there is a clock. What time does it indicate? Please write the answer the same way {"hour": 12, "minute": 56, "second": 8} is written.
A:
{"hour": 8, "minute": 39, "second": 2}
